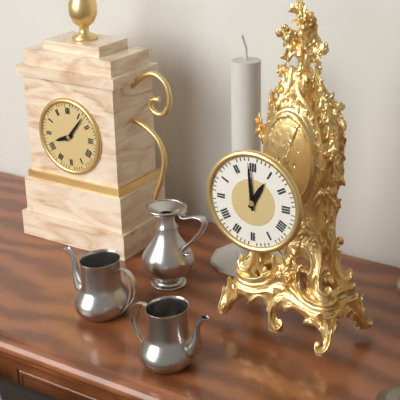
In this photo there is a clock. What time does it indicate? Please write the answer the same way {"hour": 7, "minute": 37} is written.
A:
{"hour": 12, "minute": 59}
